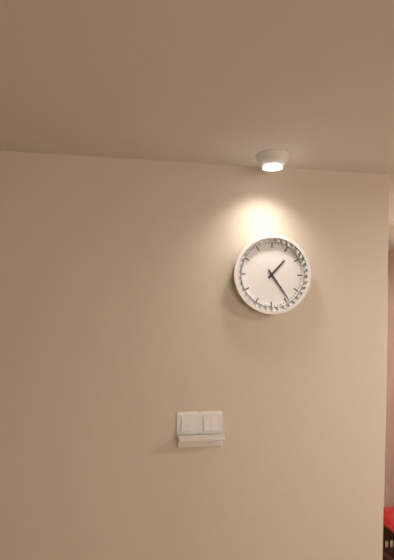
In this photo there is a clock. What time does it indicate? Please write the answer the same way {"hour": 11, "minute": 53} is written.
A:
{"hour": 1, "minute": 24}
